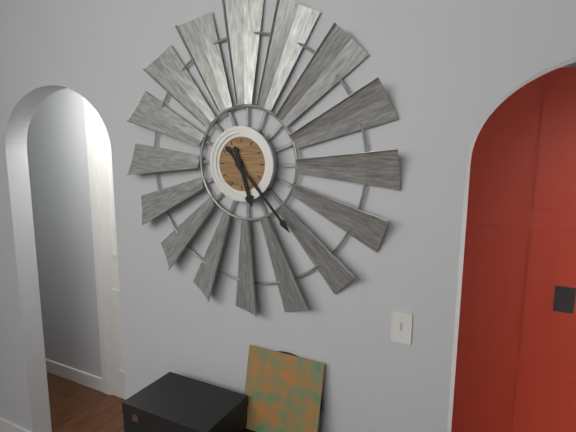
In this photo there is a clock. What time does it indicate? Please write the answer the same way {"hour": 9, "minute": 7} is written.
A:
{"hour": 5, "minute": 23}
